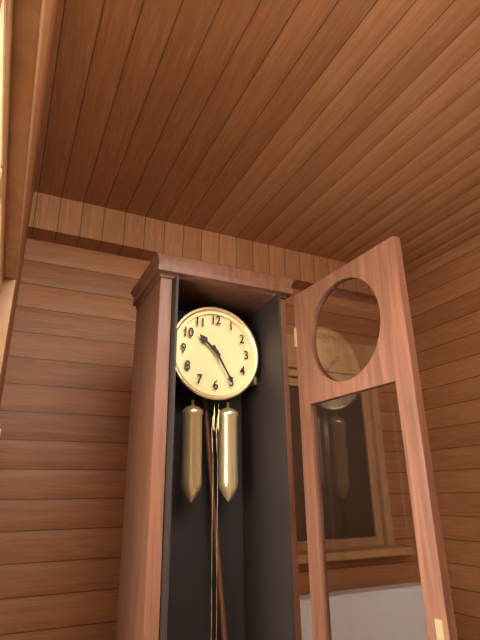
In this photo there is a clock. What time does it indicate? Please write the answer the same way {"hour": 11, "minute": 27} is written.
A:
{"hour": 10, "minute": 25}
